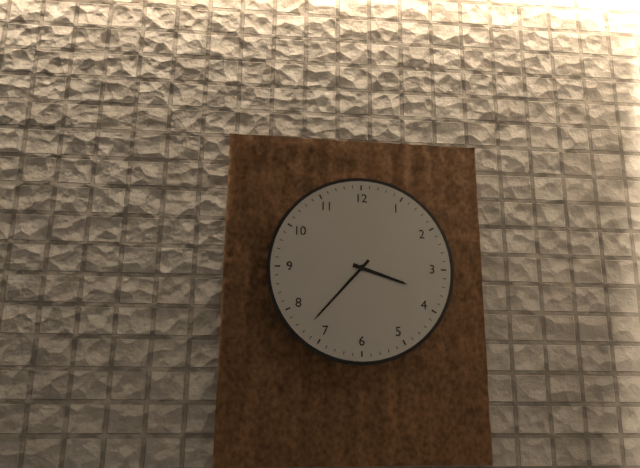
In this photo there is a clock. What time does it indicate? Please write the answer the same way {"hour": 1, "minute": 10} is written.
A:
{"hour": 3, "minute": 37}
